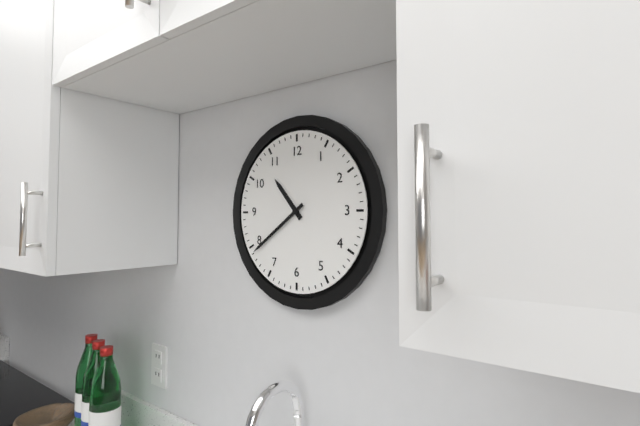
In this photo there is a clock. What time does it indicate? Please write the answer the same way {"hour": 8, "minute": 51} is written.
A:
{"hour": 10, "minute": 39}
